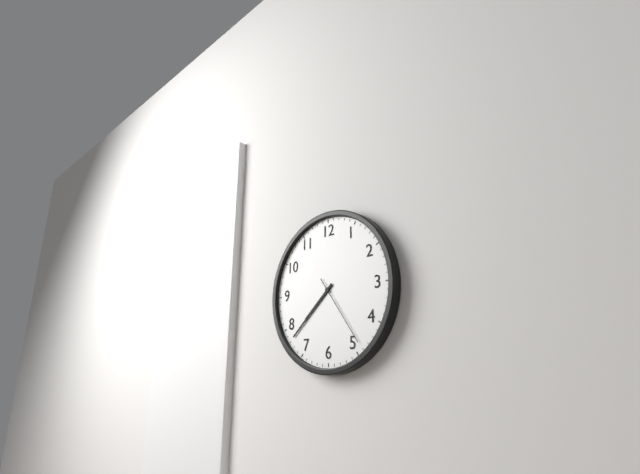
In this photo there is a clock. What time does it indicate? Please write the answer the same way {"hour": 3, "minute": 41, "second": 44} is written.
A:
{"hour": 7, "minute": 38, "second": 24}
